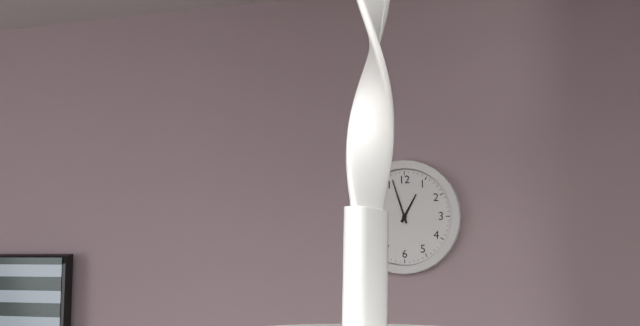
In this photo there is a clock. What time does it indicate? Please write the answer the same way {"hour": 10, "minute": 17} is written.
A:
{"hour": 12, "minute": 57}
